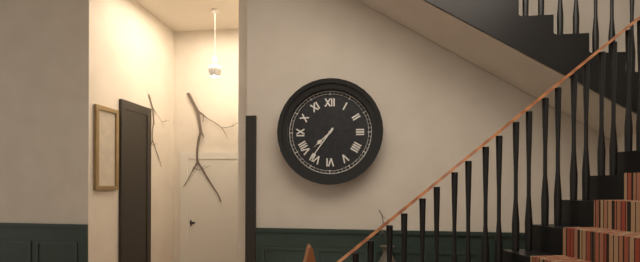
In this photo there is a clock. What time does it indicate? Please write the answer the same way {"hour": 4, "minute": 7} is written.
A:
{"hour": 7, "minute": 36}
